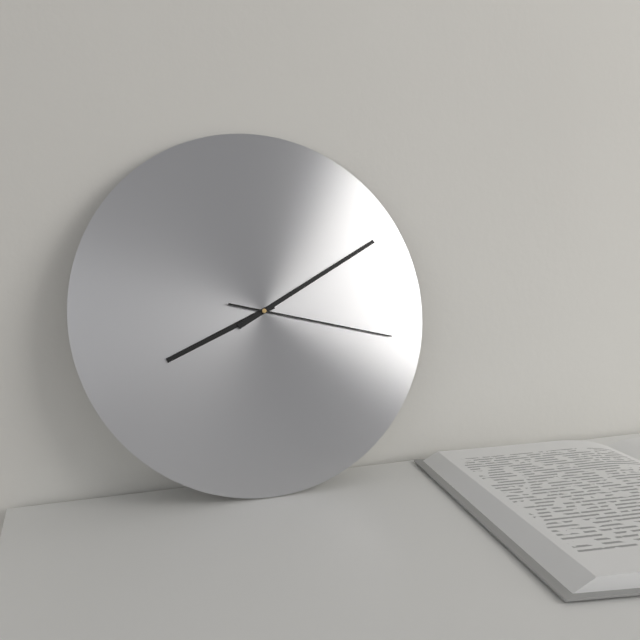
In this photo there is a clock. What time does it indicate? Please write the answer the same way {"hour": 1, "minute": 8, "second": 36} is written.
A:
{"hour": 8, "minute": 10, "second": 17}
